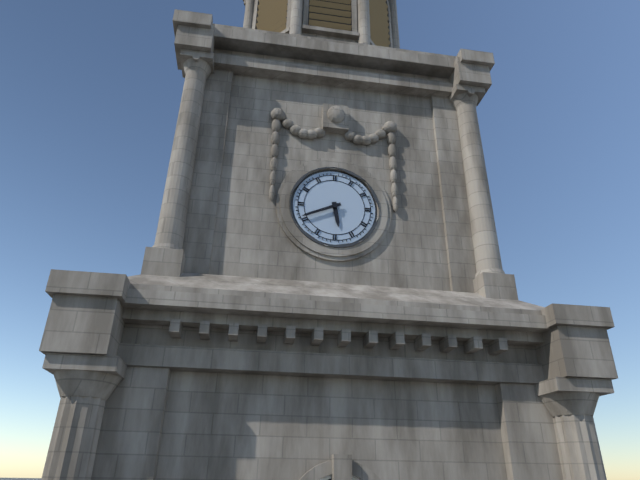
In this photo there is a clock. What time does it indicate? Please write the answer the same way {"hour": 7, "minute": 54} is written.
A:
{"hour": 5, "minute": 41}
